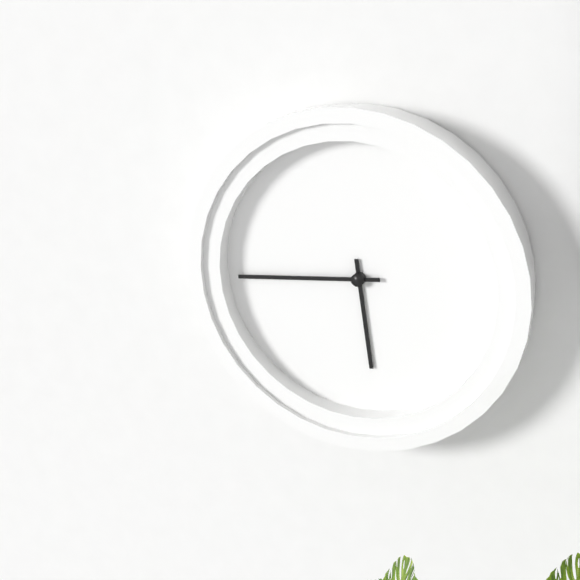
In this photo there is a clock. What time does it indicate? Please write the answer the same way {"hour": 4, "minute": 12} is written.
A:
{"hour": 5, "minute": 44}
